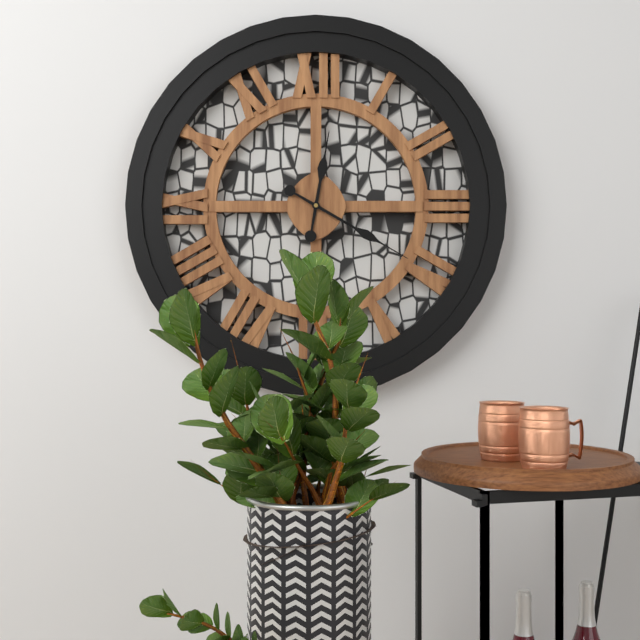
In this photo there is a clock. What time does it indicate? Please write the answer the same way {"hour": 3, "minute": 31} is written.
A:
{"hour": 12, "minute": 20}
